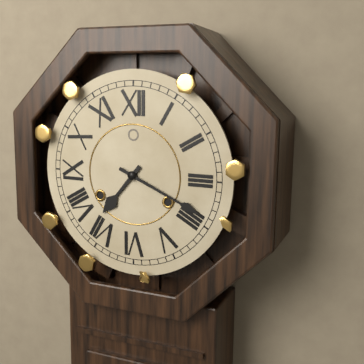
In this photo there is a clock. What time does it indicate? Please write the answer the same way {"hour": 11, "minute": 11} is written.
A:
{"hour": 7, "minute": 19}
